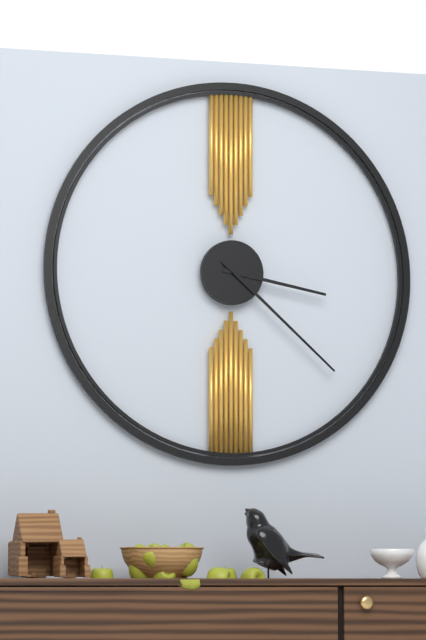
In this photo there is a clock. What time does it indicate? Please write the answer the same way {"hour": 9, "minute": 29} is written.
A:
{"hour": 3, "minute": 22}
